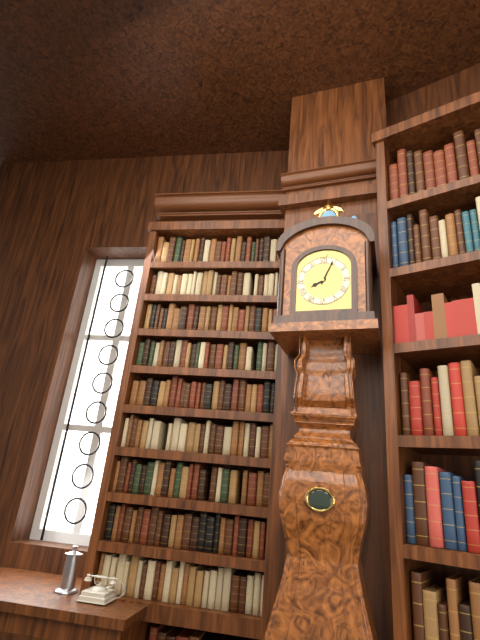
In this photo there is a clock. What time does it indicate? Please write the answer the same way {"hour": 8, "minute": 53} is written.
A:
{"hour": 8, "minute": 4}
